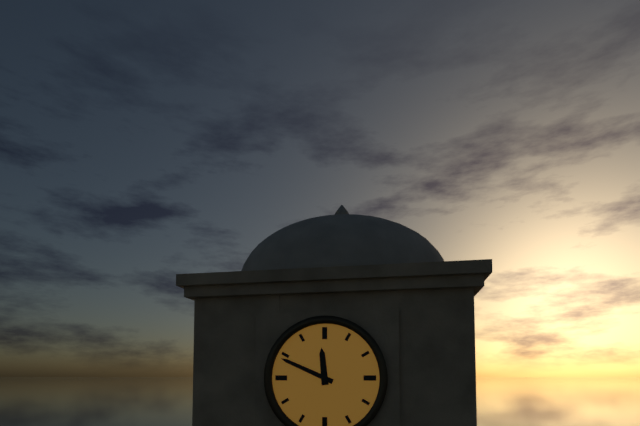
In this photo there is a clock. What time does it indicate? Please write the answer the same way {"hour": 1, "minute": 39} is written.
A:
{"hour": 11, "minute": 49}
